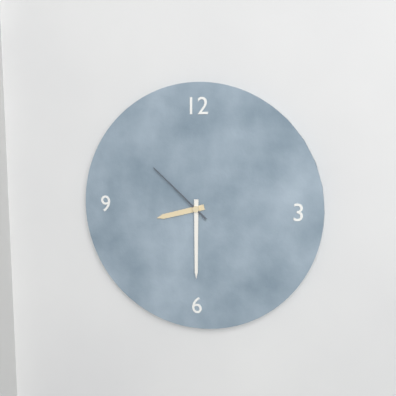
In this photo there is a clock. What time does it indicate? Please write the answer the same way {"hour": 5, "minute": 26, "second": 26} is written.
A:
{"hour": 8, "minute": 30, "second": 52}
